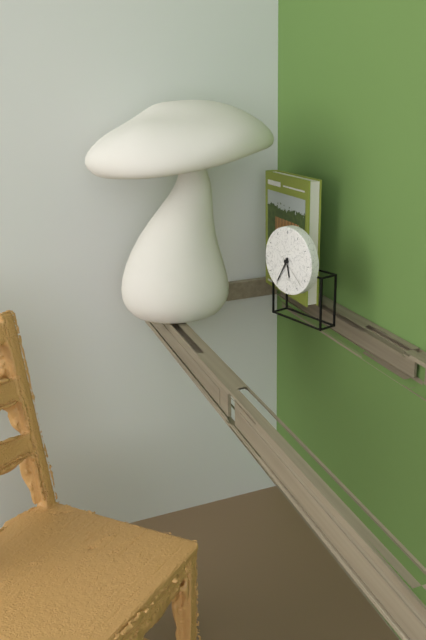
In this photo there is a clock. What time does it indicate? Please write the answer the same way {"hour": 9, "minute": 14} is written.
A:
{"hour": 5, "minute": 35}
